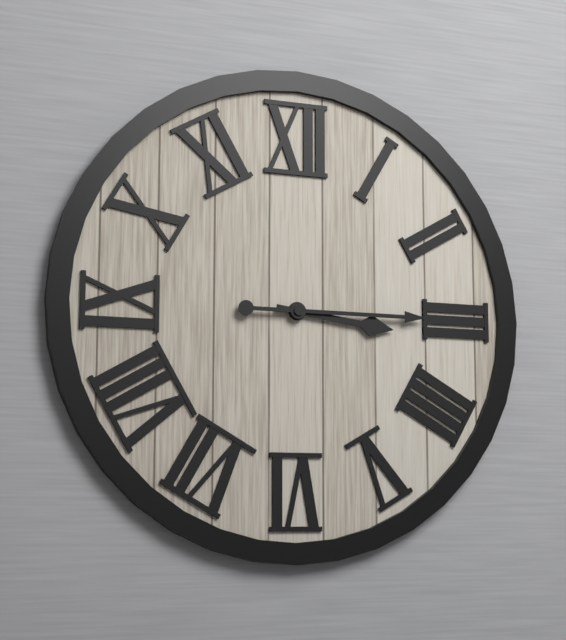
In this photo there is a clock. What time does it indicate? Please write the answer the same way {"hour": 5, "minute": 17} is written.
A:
{"hour": 3, "minute": 15}
